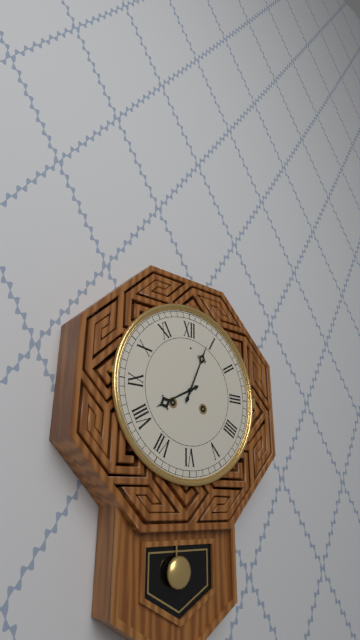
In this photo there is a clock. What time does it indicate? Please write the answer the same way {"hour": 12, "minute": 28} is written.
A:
{"hour": 8, "minute": 4}
